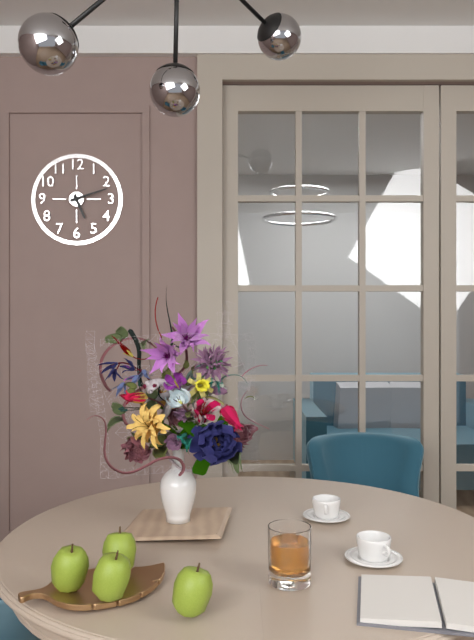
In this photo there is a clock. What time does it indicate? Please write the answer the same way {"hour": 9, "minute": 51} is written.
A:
{"hour": 5, "minute": 12}
